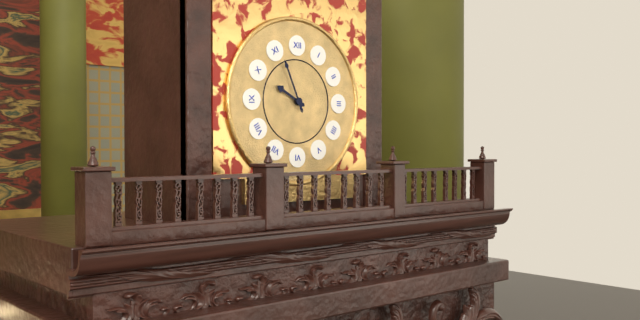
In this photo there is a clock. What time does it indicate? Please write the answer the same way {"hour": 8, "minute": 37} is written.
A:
{"hour": 9, "minute": 56}
